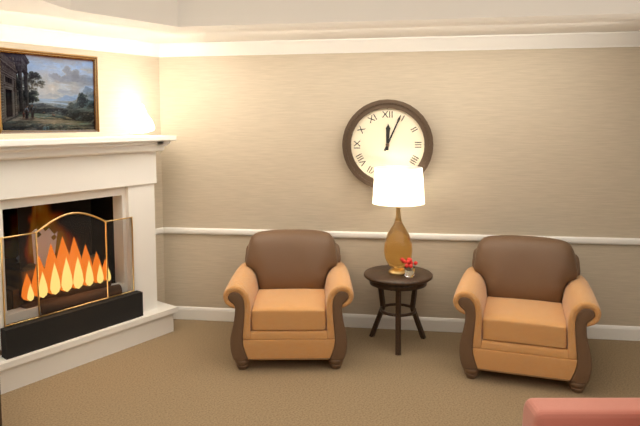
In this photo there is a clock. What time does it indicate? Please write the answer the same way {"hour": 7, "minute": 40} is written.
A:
{"hour": 12, "minute": 4}
